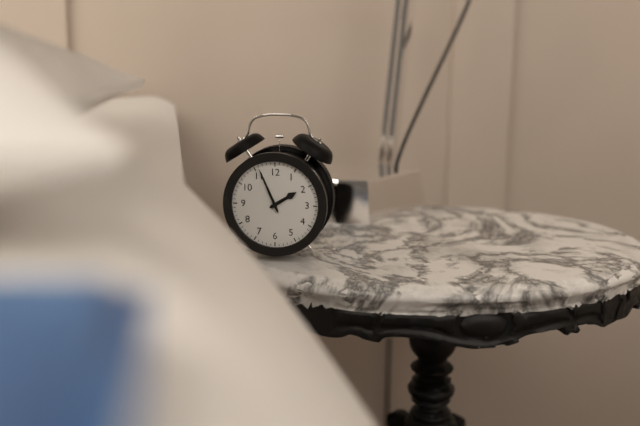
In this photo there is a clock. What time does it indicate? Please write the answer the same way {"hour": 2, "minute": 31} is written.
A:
{"hour": 1, "minute": 56}
